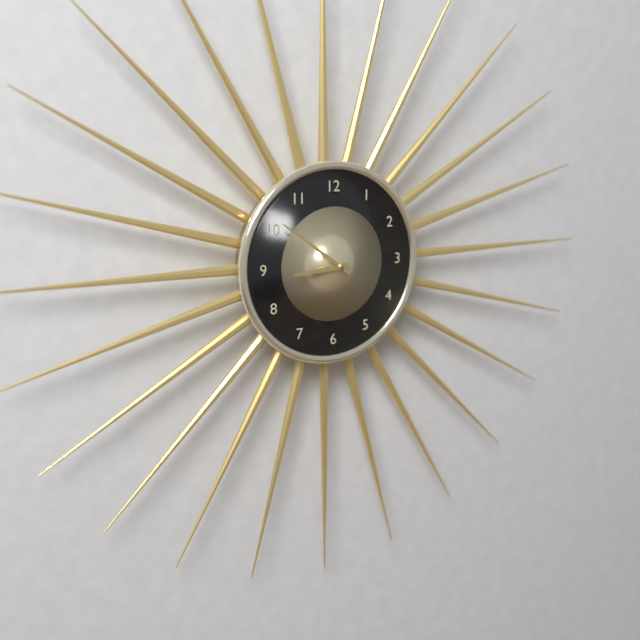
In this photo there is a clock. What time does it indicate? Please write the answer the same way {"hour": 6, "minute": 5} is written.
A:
{"hour": 8, "minute": 51}
